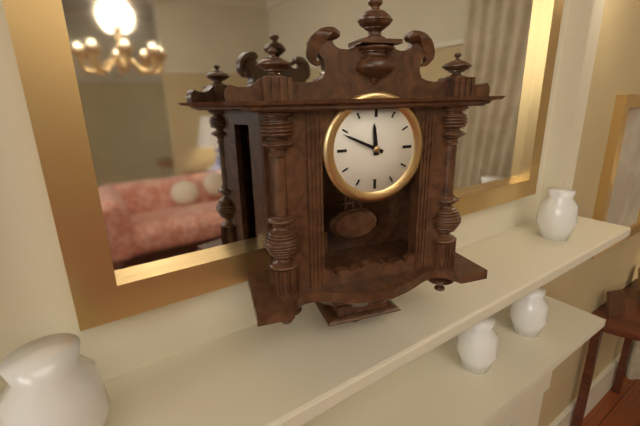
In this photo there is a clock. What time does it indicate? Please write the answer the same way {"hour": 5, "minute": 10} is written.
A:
{"hour": 11, "minute": 49}
